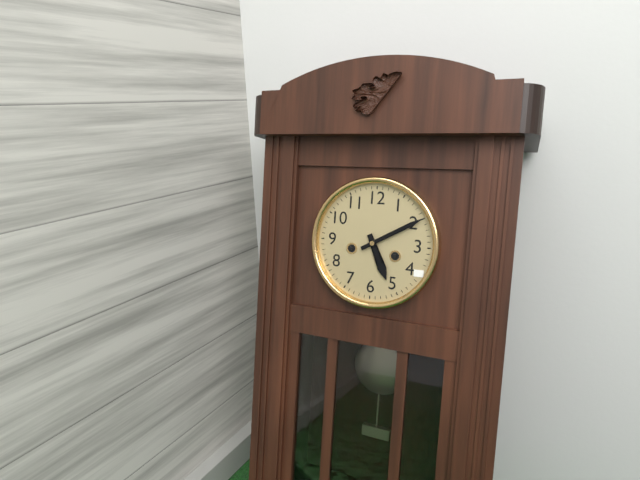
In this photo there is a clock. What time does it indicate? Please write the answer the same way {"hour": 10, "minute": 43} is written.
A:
{"hour": 5, "minute": 10}
